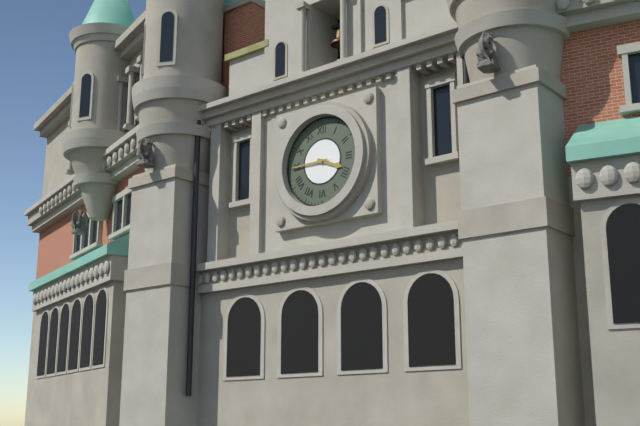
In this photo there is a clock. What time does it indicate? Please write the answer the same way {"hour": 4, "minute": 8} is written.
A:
{"hour": 3, "minute": 45}
